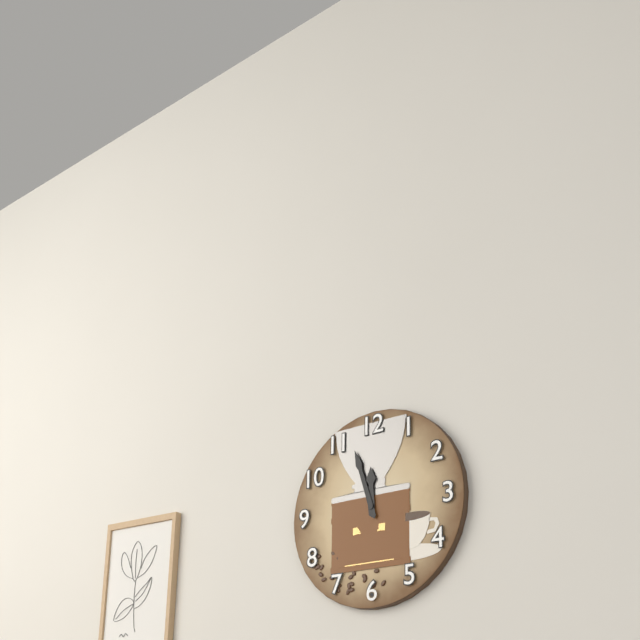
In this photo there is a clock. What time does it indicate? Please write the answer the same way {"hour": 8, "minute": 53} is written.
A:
{"hour": 11, "minute": 57}
